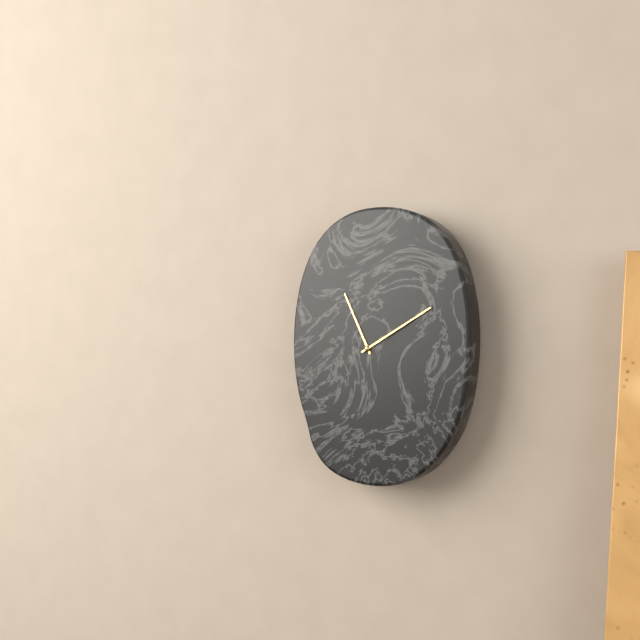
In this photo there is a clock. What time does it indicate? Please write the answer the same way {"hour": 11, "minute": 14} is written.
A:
{"hour": 11, "minute": 10}
